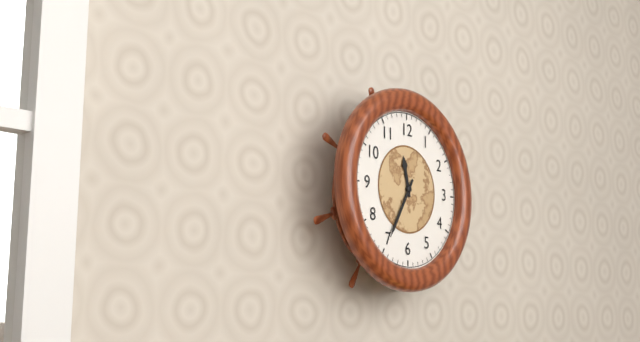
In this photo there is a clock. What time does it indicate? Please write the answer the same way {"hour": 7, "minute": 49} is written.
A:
{"hour": 11, "minute": 35}
